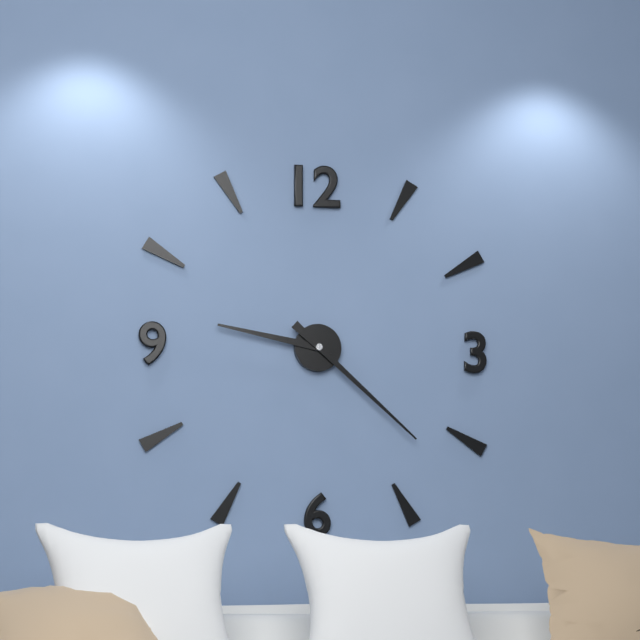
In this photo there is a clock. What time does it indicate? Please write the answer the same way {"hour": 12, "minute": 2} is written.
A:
{"hour": 9, "minute": 22}
